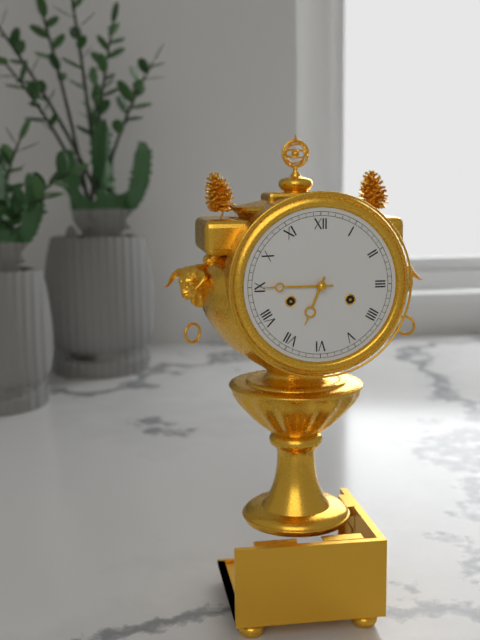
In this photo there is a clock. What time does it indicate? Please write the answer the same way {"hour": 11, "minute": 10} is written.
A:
{"hour": 6, "minute": 45}
